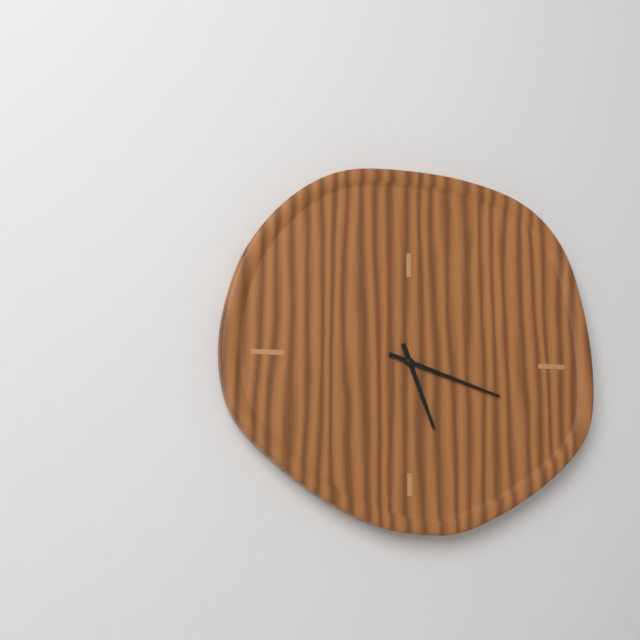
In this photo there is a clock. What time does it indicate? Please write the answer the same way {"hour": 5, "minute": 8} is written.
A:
{"hour": 5, "minute": 18}
